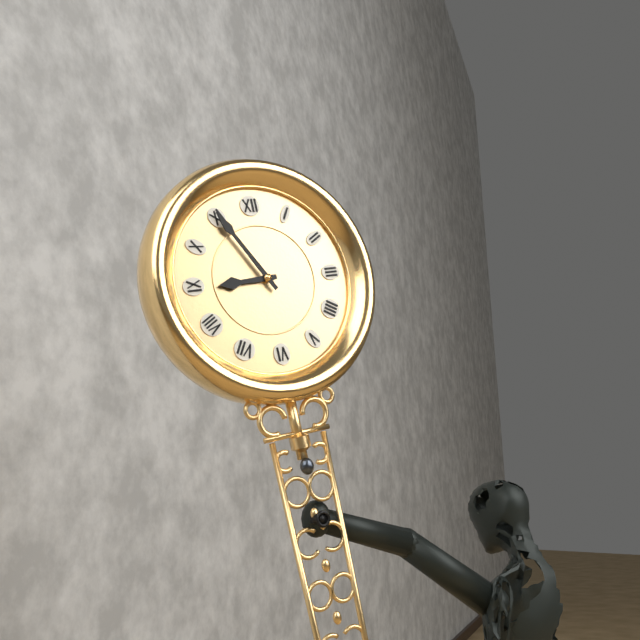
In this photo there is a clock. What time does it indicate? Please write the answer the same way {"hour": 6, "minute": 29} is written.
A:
{"hour": 8, "minute": 55}
